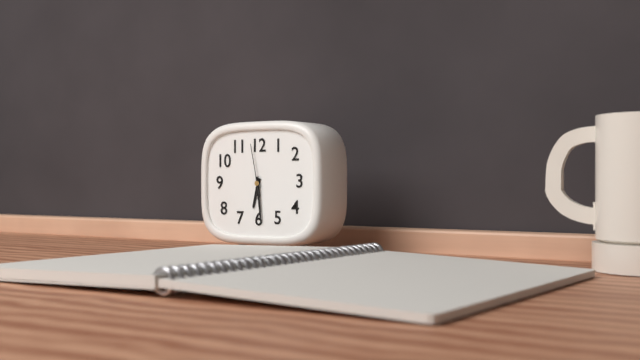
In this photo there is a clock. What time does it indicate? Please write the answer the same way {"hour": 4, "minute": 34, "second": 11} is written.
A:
{"hour": 6, "minute": 29, "second": 58}
